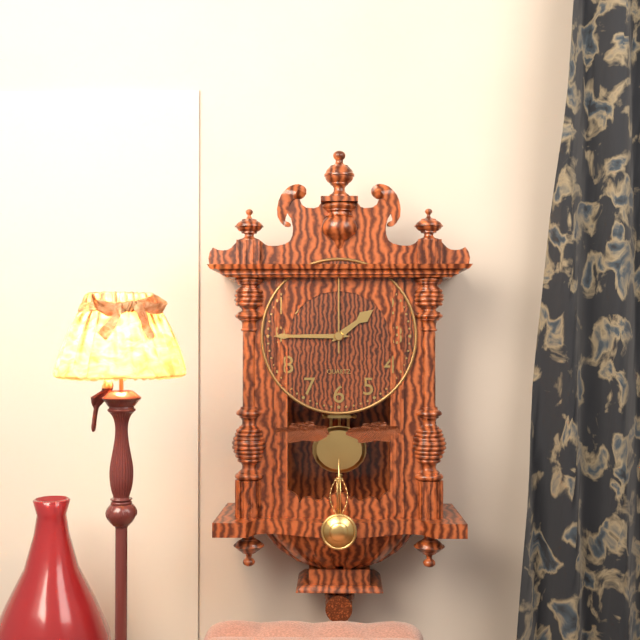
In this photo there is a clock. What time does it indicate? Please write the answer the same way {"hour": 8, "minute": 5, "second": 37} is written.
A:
{"hour": 1, "minute": 45, "second": 0}
